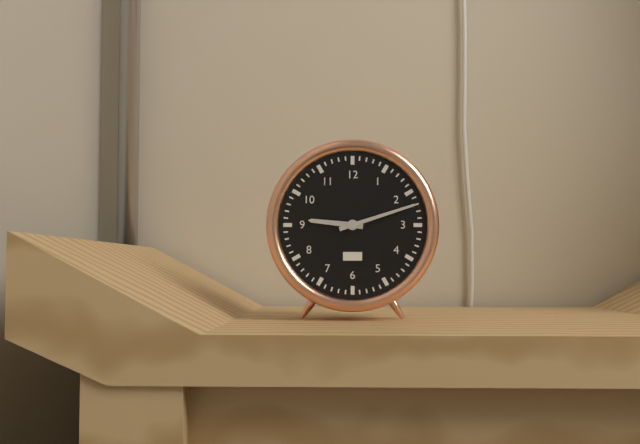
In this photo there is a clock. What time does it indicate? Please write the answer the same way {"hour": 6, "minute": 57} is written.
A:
{"hour": 9, "minute": 12}
